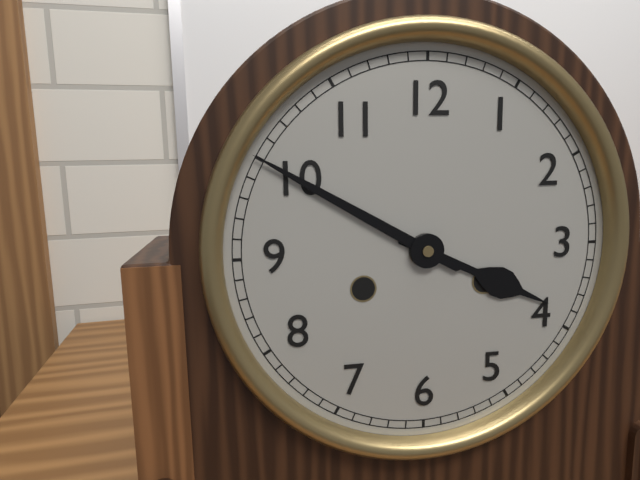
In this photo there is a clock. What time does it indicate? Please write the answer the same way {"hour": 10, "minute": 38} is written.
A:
{"hour": 3, "minute": 50}
